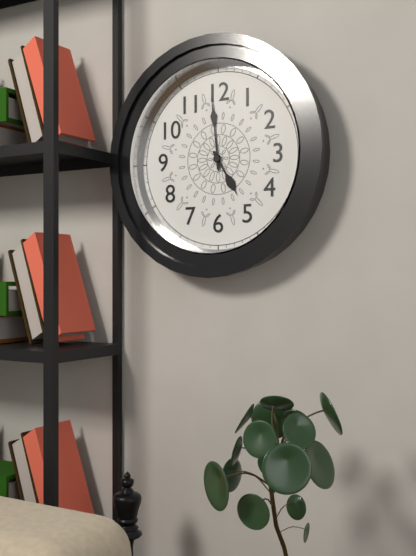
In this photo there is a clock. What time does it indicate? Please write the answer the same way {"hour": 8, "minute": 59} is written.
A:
{"hour": 4, "minute": 59}
